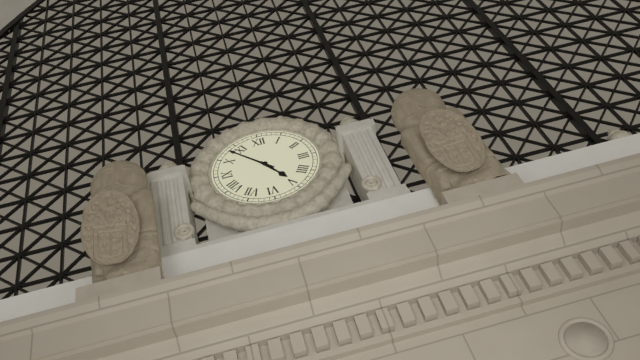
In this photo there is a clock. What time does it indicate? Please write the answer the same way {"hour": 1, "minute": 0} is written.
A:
{"hour": 4, "minute": 53}
